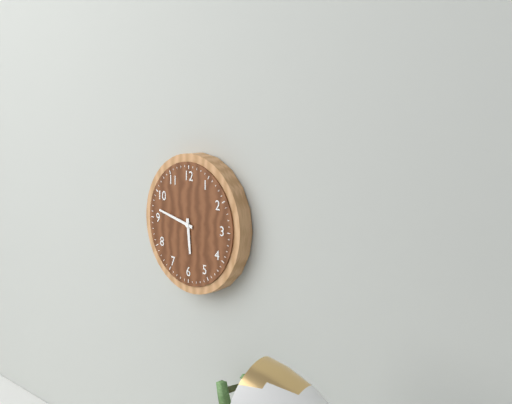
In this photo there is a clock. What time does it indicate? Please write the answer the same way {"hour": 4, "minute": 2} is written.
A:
{"hour": 5, "minute": 47}
